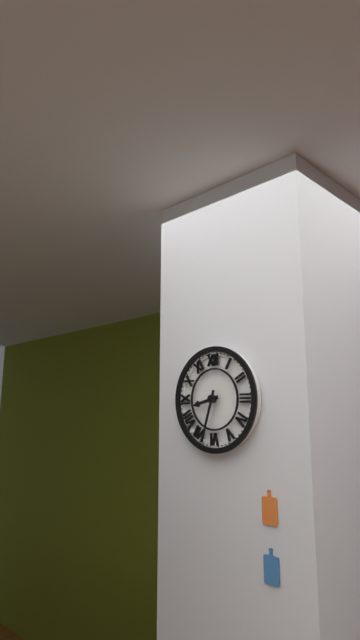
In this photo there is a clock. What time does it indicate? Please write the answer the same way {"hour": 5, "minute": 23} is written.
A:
{"hour": 8, "minute": 33}
